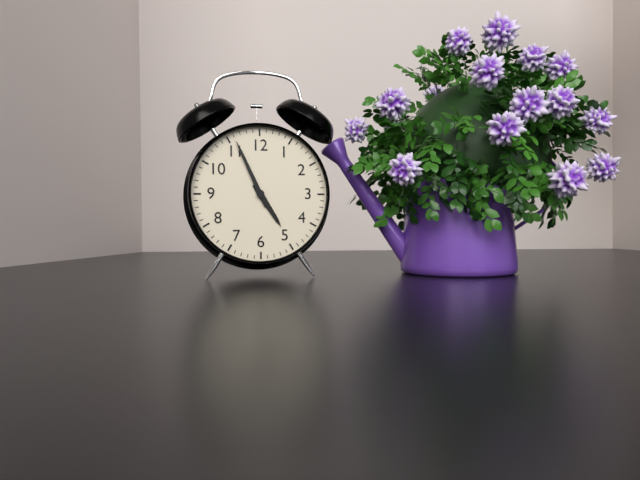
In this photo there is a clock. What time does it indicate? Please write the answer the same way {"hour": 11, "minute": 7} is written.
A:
{"hour": 4, "minute": 56}
